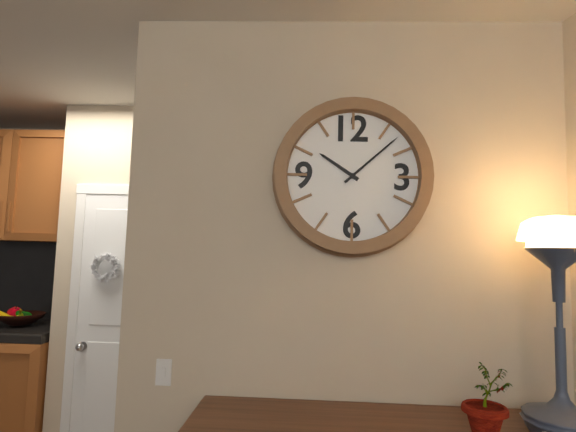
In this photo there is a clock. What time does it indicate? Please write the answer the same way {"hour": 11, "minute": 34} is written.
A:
{"hour": 10, "minute": 8}
